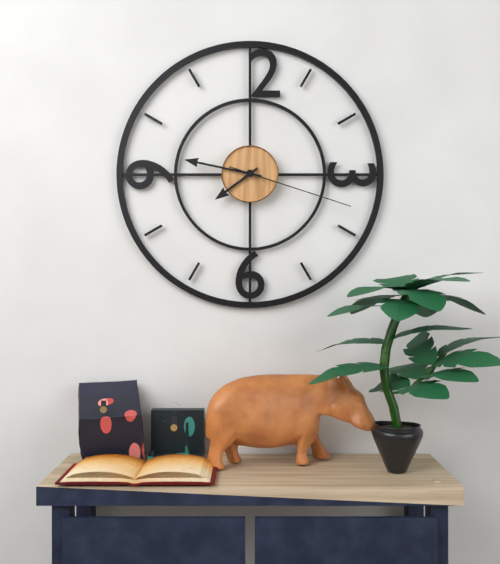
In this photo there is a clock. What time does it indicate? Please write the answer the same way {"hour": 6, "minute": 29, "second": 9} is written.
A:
{"hour": 7, "minute": 47, "second": 18}
